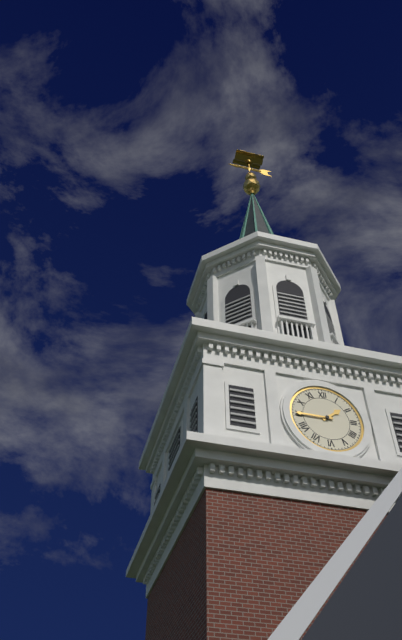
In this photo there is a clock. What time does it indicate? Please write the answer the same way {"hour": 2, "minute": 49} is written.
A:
{"hour": 1, "minute": 45}
